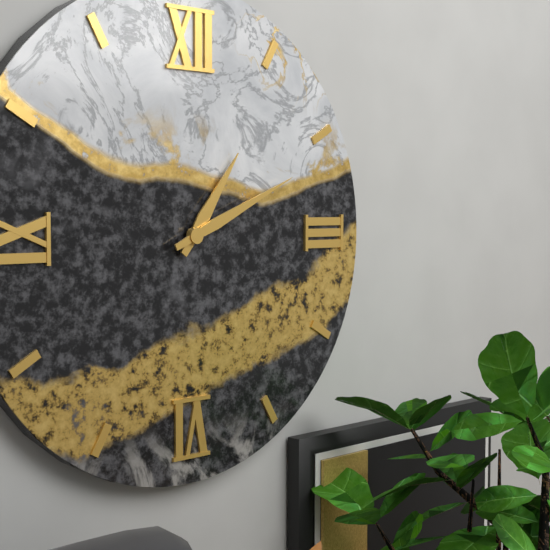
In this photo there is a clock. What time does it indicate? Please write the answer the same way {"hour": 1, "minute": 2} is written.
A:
{"hour": 1, "minute": 11}
